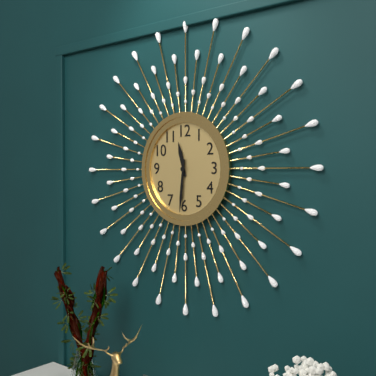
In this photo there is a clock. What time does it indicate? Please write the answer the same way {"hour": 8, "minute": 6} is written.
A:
{"hour": 11, "minute": 31}
